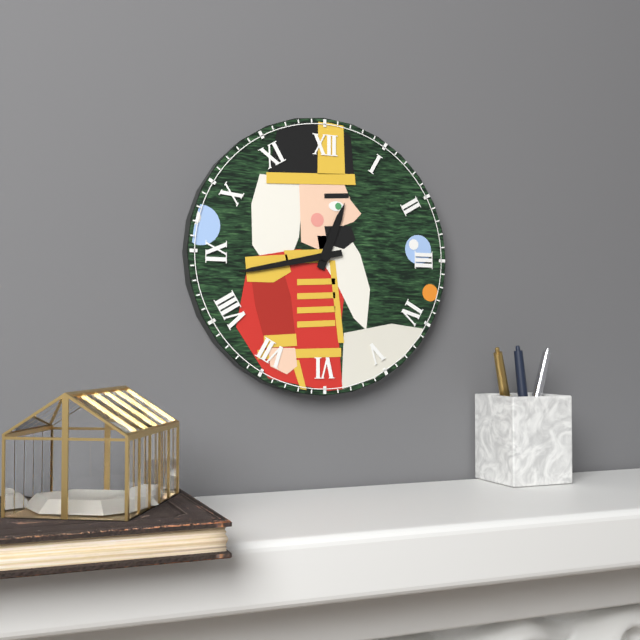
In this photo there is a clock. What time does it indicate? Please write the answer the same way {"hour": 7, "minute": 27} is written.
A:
{"hour": 12, "minute": 43}
